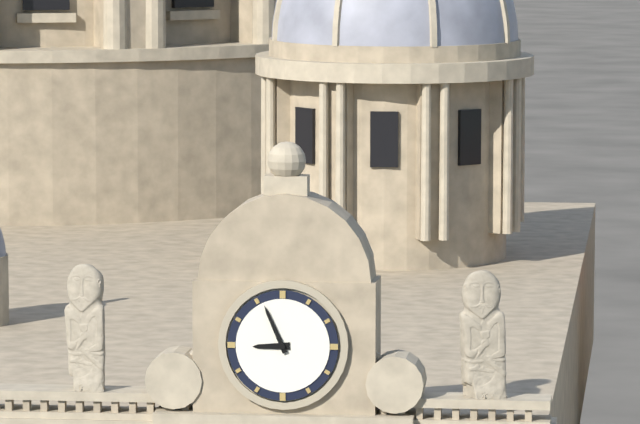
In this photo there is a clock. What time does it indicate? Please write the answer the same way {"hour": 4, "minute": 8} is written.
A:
{"hour": 8, "minute": 56}
